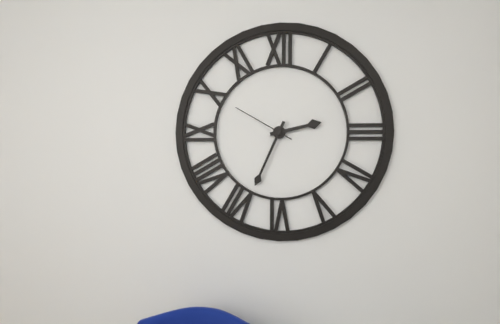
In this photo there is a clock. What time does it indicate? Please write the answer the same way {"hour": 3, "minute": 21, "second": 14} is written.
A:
{"hour": 2, "minute": 34, "second": 50}
